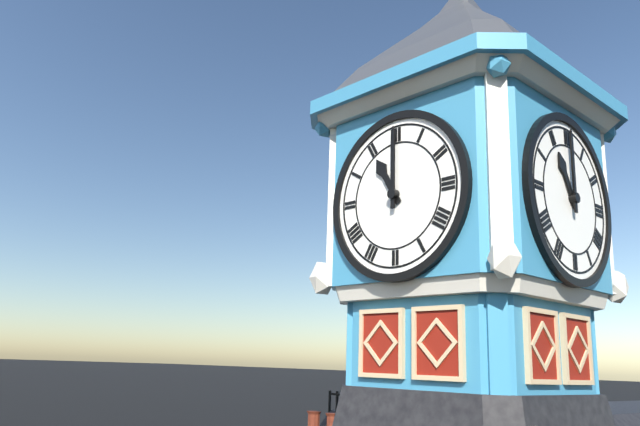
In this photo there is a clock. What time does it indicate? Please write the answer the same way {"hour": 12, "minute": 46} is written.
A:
{"hour": 11, "minute": 0}
